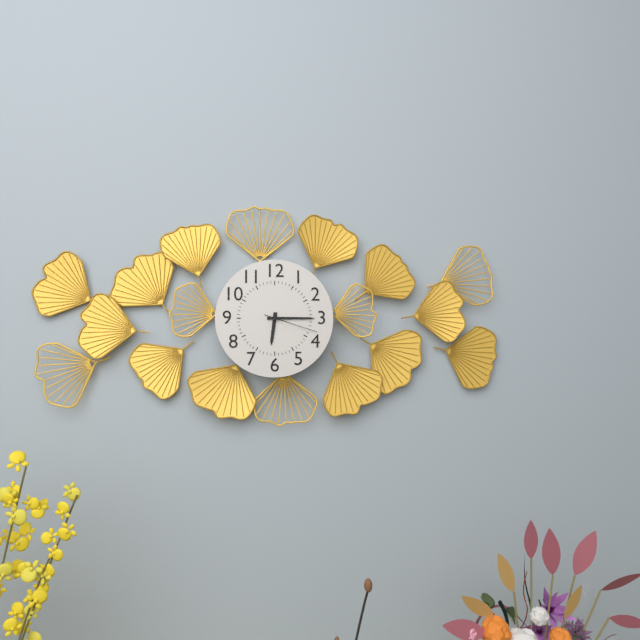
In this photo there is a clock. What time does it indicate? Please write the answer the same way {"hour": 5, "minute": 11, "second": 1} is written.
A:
{"hour": 6, "minute": 15, "second": 18}
